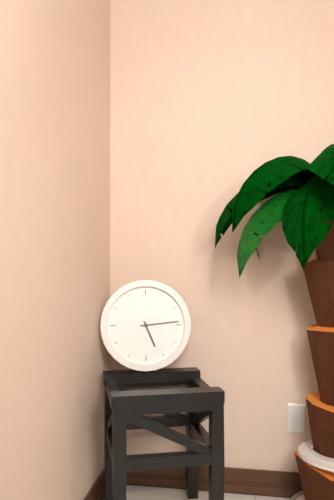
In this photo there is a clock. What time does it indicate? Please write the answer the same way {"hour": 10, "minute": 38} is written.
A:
{"hour": 5, "minute": 14}
